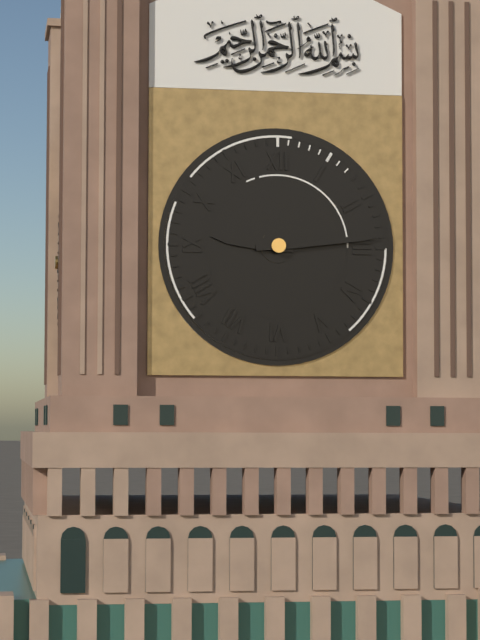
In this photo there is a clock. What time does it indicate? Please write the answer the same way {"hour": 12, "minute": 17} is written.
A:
{"hour": 9, "minute": 14}
